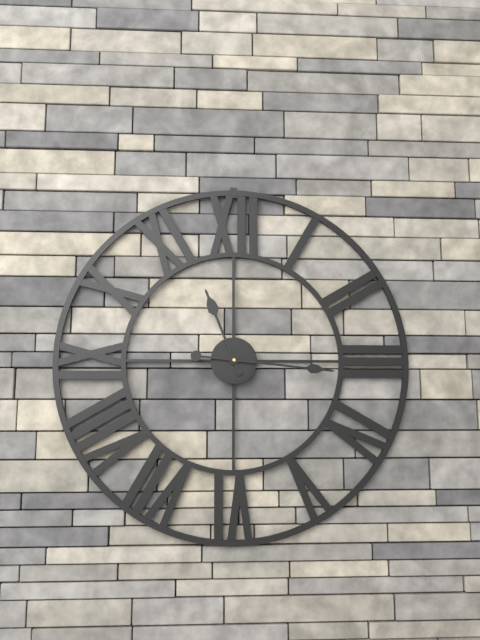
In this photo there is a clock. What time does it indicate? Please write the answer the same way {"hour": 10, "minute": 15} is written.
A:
{"hour": 11, "minute": 16}
